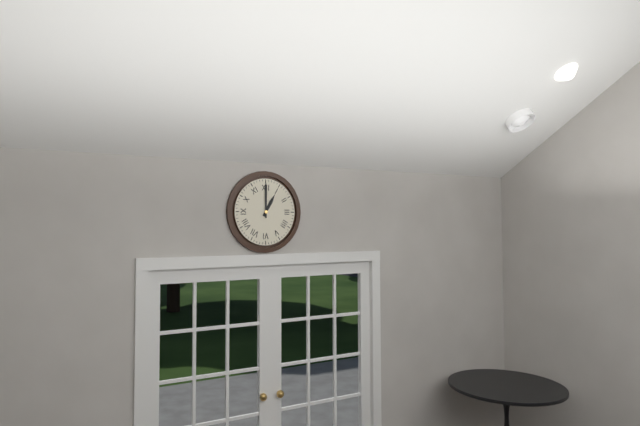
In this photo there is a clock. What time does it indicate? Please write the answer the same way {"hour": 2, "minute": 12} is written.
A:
{"hour": 1, "minute": 0}
